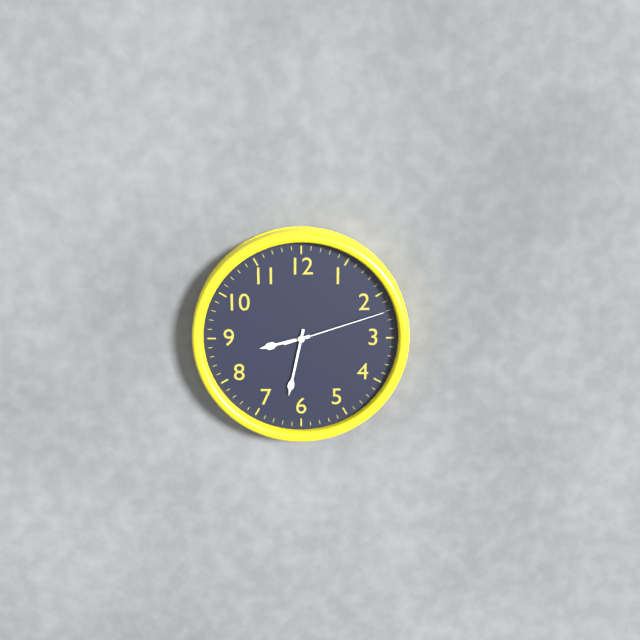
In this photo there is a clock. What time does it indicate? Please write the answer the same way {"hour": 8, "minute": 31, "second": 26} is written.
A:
{"hour": 8, "minute": 32, "second": 12}
